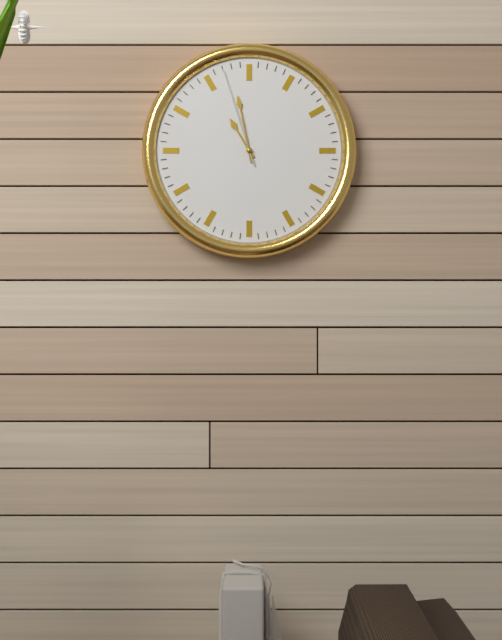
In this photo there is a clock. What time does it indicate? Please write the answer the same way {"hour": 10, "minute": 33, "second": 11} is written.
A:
{"hour": 10, "minute": 58, "second": 57}
